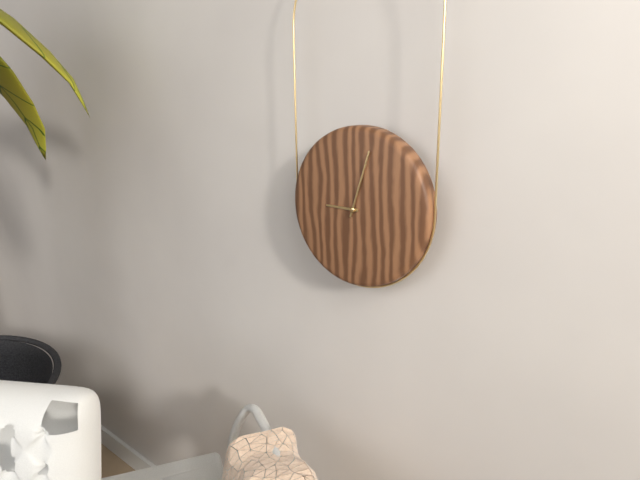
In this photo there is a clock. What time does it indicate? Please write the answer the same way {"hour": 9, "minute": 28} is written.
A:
{"hour": 9, "minute": 3}
